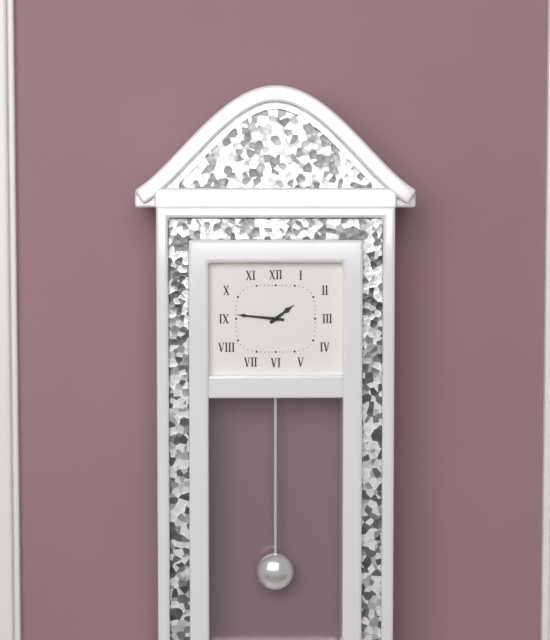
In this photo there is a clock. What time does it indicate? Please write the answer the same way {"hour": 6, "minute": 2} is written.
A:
{"hour": 1, "minute": 46}
